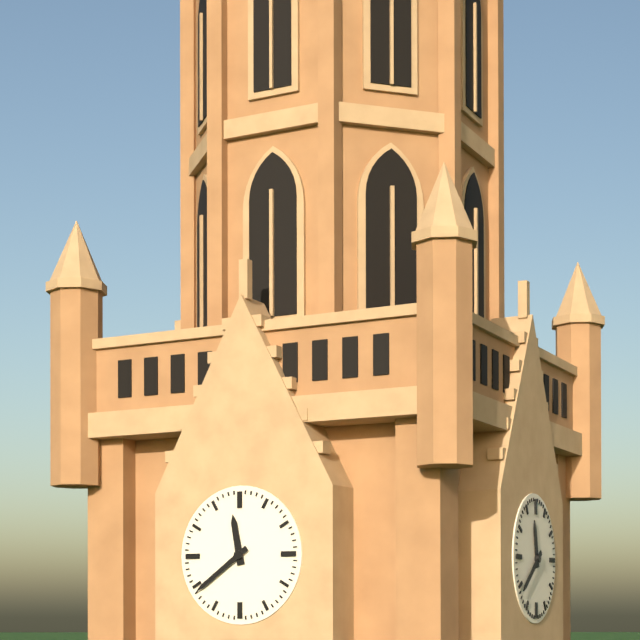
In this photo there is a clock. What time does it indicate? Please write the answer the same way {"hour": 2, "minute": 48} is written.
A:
{"hour": 11, "minute": 39}
